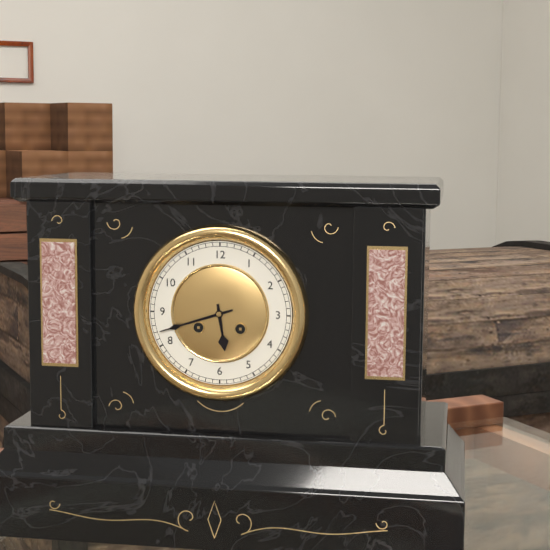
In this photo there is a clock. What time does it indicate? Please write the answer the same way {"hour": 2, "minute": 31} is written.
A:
{"hour": 5, "minute": 42}
